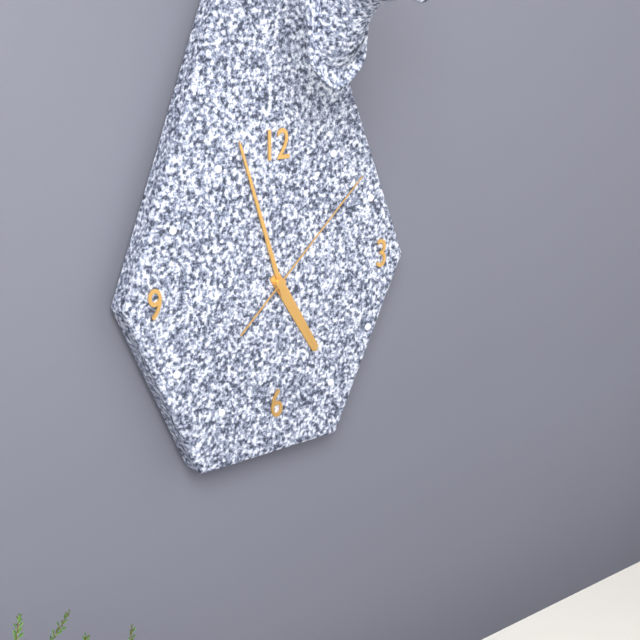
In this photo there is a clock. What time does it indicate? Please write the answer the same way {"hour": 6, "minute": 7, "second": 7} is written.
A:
{"hour": 4, "minute": 57, "second": 8}
